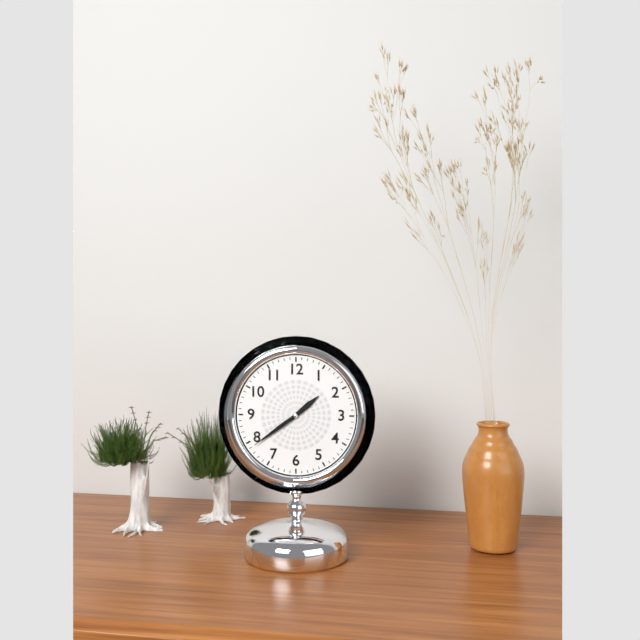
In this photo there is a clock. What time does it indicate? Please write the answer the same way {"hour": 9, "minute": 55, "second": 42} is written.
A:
{"hour": 1, "minute": 39, "second": 39}
